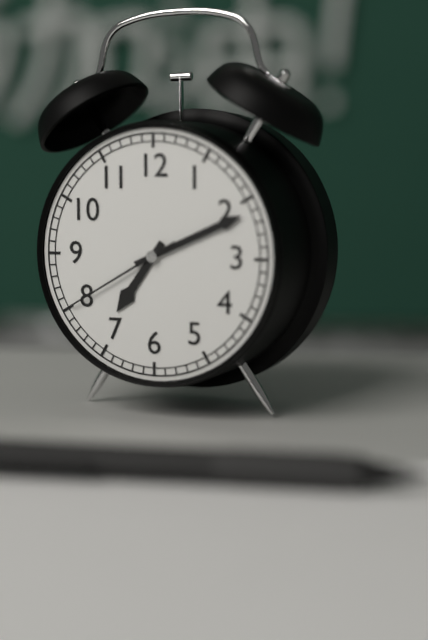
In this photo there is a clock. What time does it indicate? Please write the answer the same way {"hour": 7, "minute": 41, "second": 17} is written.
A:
{"hour": 7, "minute": 11, "second": 40}
